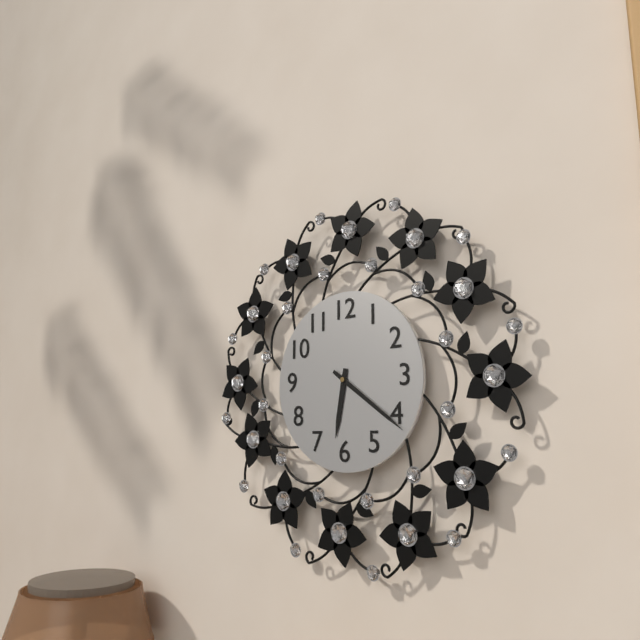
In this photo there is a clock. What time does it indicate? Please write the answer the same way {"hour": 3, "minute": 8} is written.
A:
{"hour": 6, "minute": 21}
